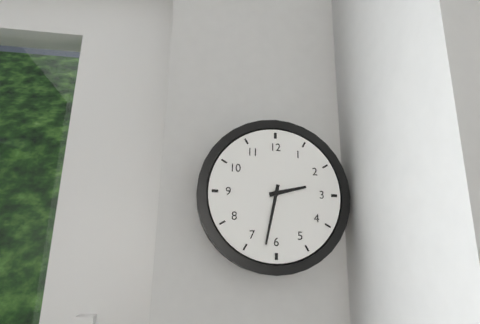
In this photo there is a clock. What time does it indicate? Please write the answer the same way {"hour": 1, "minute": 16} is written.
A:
{"hour": 2, "minute": 32}
